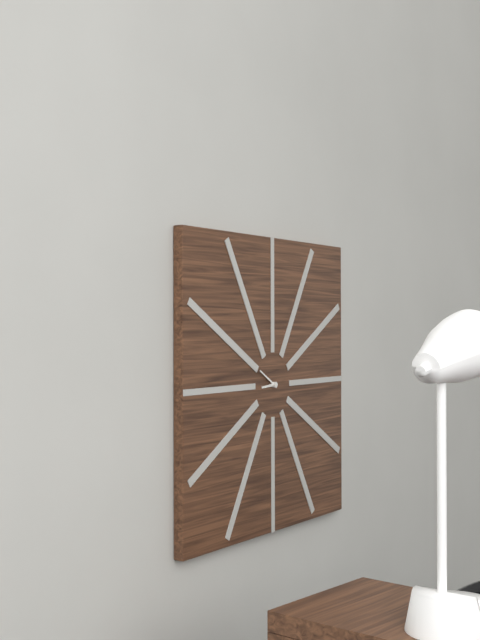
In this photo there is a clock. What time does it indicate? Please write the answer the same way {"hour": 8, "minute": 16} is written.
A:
{"hour": 8, "minute": 50}
